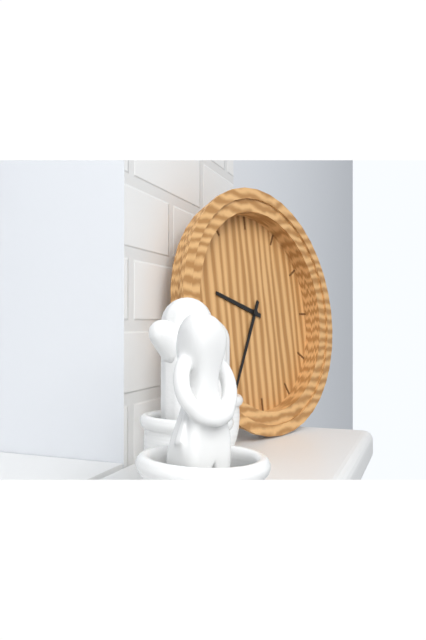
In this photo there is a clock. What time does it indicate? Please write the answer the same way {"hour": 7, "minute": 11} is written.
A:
{"hour": 9, "minute": 35}
